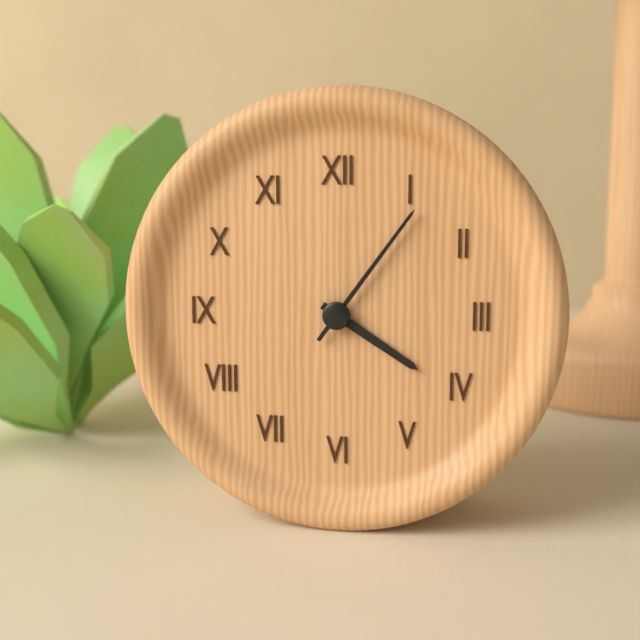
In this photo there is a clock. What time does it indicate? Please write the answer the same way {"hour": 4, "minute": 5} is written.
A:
{"hour": 4, "minute": 6}
